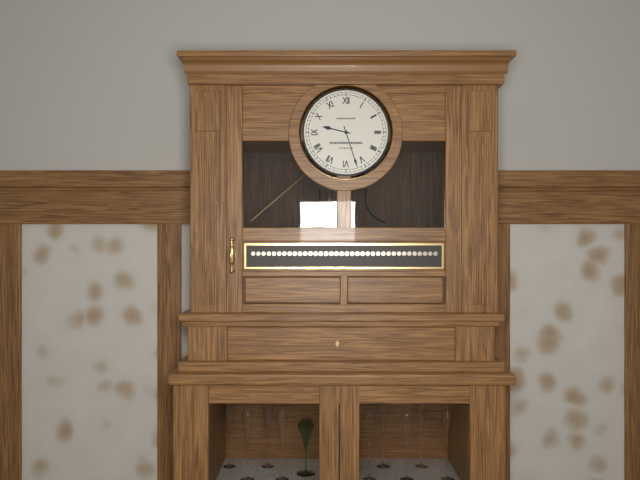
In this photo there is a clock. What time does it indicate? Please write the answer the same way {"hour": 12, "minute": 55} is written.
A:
{"hour": 9, "minute": 27}
